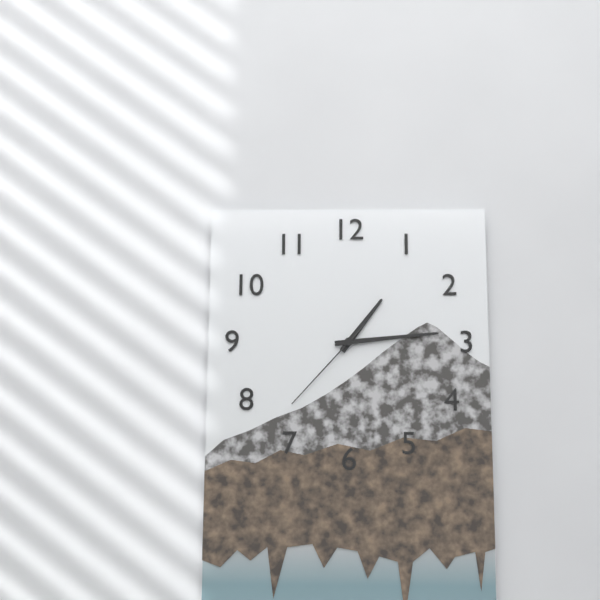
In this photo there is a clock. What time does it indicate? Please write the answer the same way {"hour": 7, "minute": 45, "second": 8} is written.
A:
{"hour": 1, "minute": 14, "second": 37}
